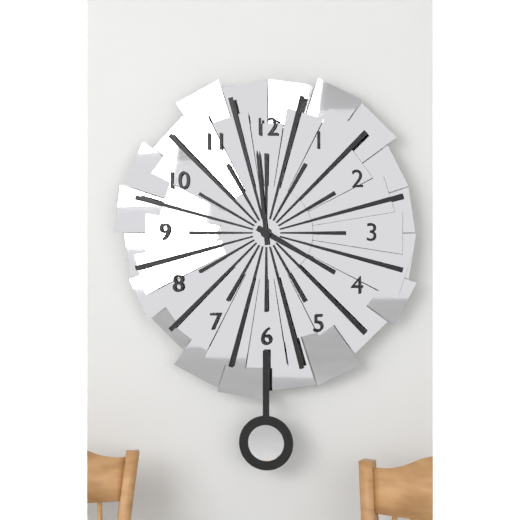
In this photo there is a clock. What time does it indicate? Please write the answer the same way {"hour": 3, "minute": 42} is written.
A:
{"hour": 3, "minute": 59}
